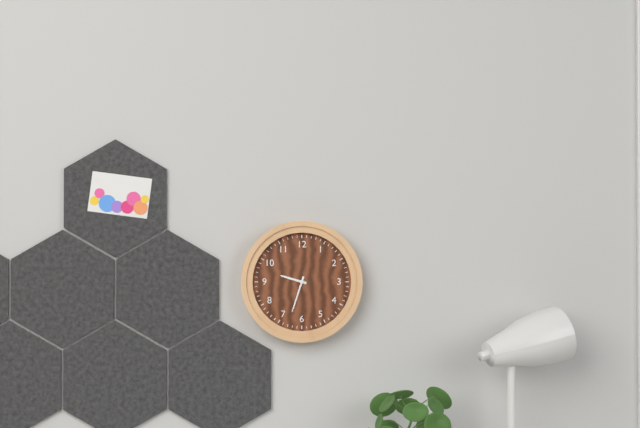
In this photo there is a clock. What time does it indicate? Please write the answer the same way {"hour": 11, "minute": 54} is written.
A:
{"hour": 9, "minute": 33}
